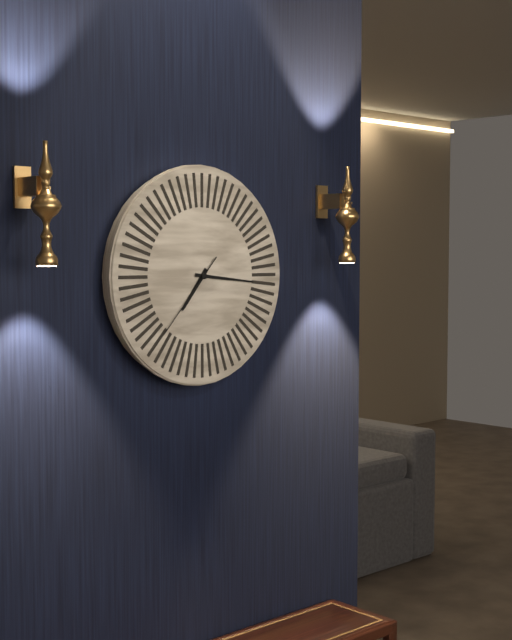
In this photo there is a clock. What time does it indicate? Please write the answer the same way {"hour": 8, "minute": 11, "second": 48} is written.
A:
{"hour": 7, "minute": 16, "second": 37}
